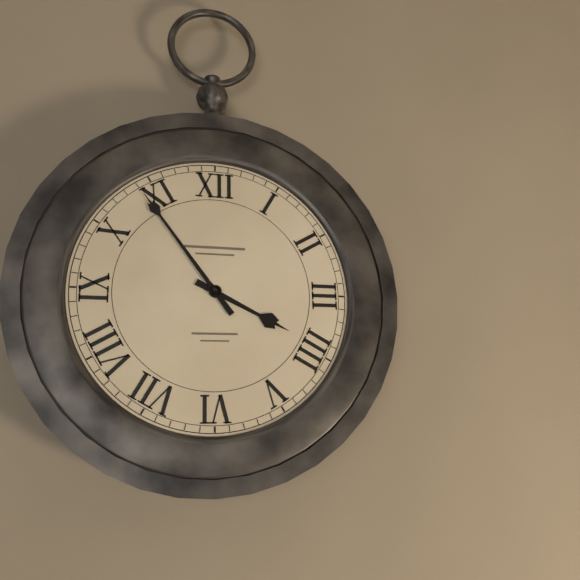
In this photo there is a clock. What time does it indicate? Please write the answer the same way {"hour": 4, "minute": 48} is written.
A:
{"hour": 3, "minute": 54}
